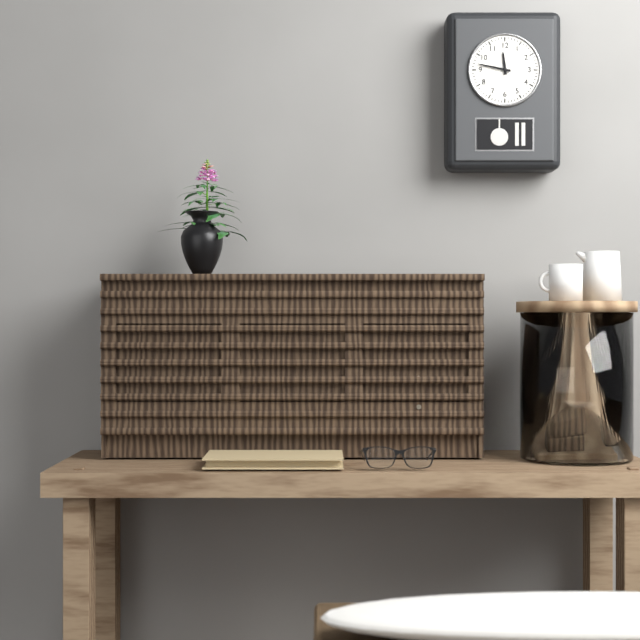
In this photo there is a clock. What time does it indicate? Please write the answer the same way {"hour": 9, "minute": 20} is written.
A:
{"hour": 11, "minute": 47}
